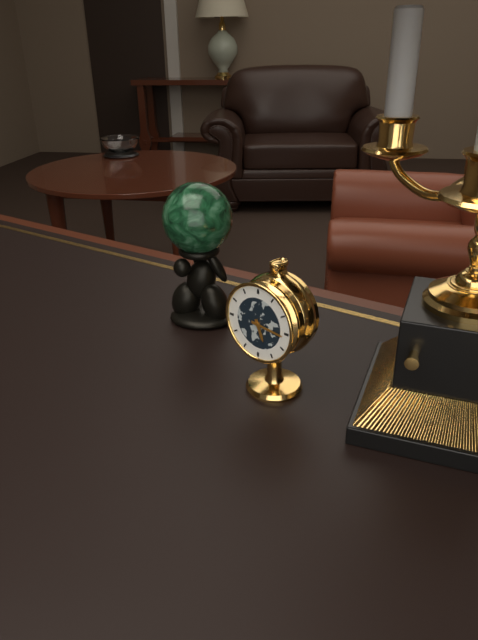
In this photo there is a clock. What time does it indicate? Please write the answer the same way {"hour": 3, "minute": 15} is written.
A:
{"hour": 5, "minute": 16}
